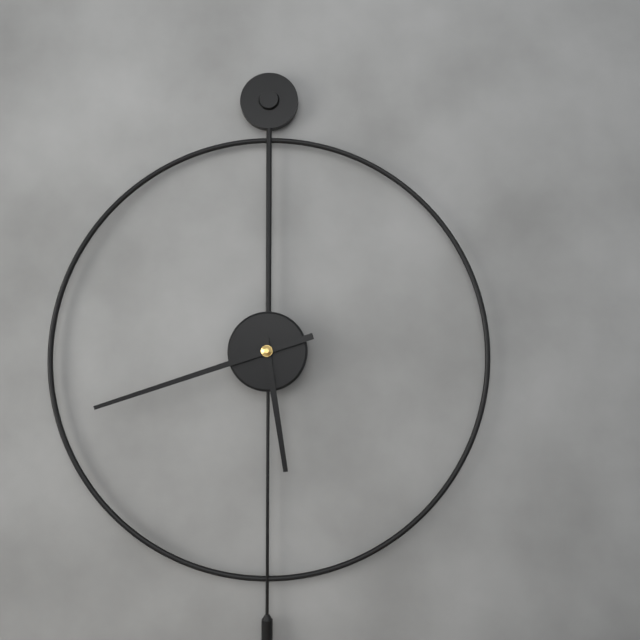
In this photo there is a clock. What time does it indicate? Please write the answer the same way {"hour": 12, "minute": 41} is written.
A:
{"hour": 5, "minute": 42}
